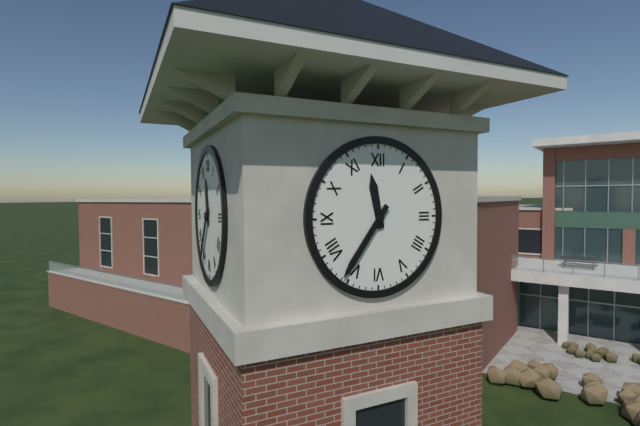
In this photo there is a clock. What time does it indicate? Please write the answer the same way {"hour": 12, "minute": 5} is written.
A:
{"hour": 11, "minute": 36}
